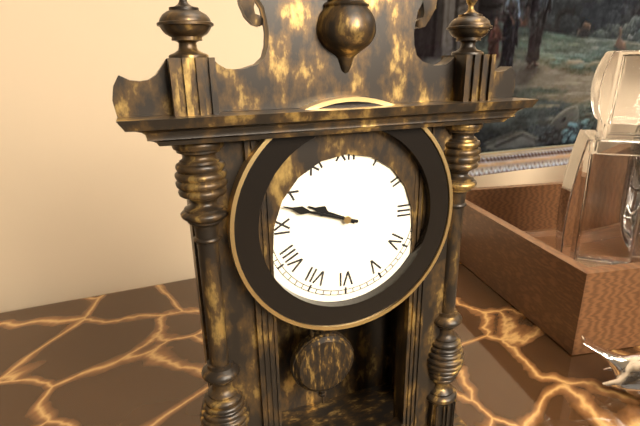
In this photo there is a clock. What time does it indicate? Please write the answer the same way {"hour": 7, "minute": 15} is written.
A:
{"hour": 9, "minute": 48}
